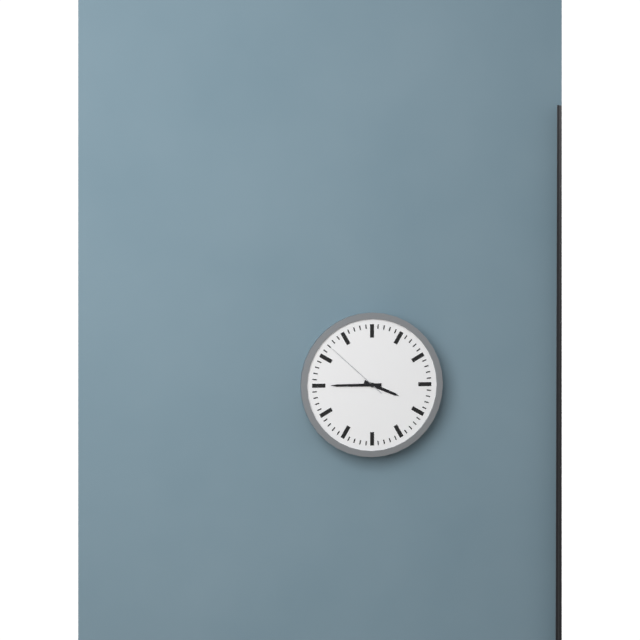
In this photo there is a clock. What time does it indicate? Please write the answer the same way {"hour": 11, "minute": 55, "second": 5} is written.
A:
{"hour": 3, "minute": 45, "second": 52}
